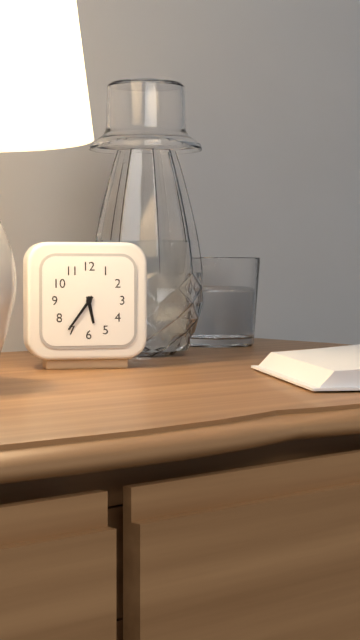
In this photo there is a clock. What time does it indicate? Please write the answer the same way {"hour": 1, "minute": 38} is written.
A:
{"hour": 5, "minute": 36}
